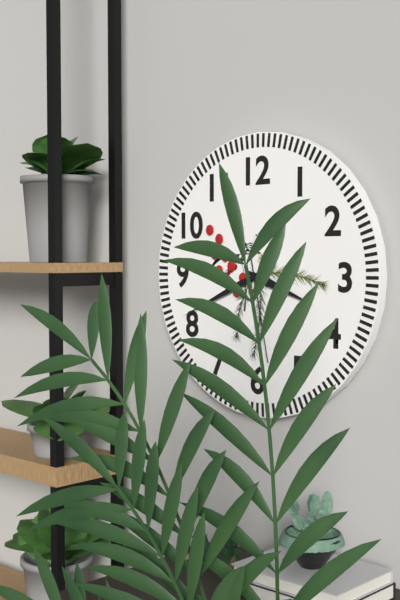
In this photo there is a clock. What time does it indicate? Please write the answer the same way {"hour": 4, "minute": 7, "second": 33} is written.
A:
{"hour": 3, "minute": 41, "second": 28}
